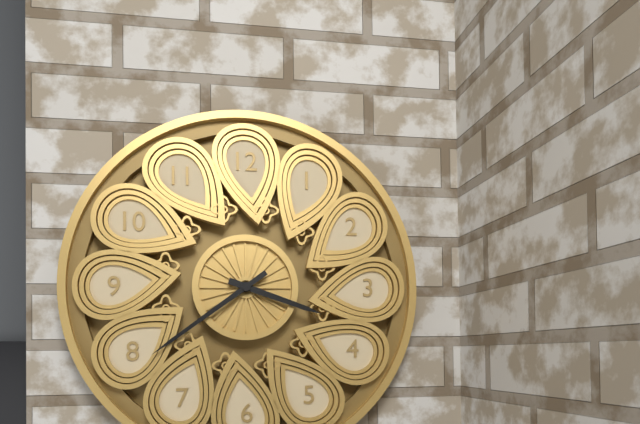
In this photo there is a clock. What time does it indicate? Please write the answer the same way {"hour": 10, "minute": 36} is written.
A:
{"hour": 3, "minute": 39}
